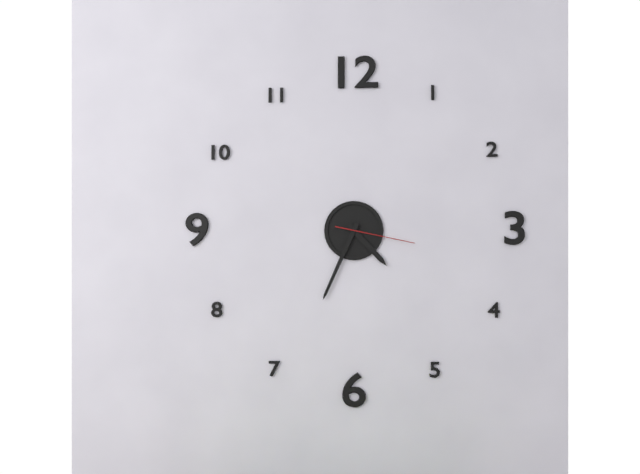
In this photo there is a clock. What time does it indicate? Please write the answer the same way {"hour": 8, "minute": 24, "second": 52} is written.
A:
{"hour": 4, "minute": 34, "second": 17}
